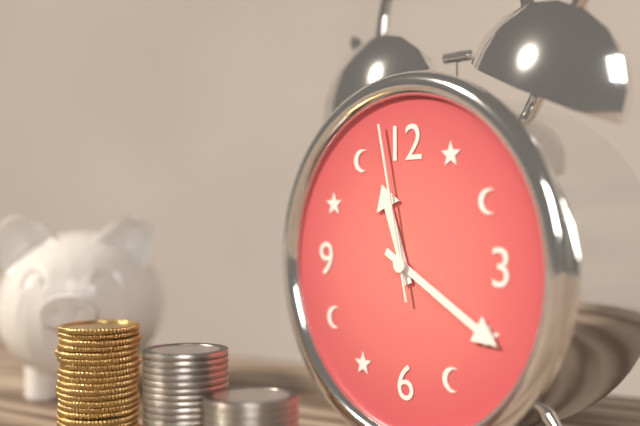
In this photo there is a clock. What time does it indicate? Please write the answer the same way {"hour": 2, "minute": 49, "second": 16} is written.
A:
{"hour": 11, "minute": 20, "second": 58}
